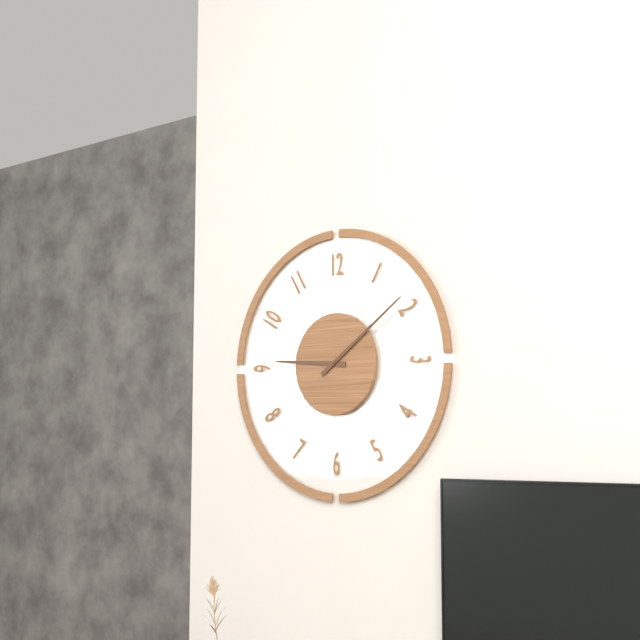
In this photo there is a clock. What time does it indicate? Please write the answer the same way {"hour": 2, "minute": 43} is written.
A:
{"hour": 9, "minute": 9}
